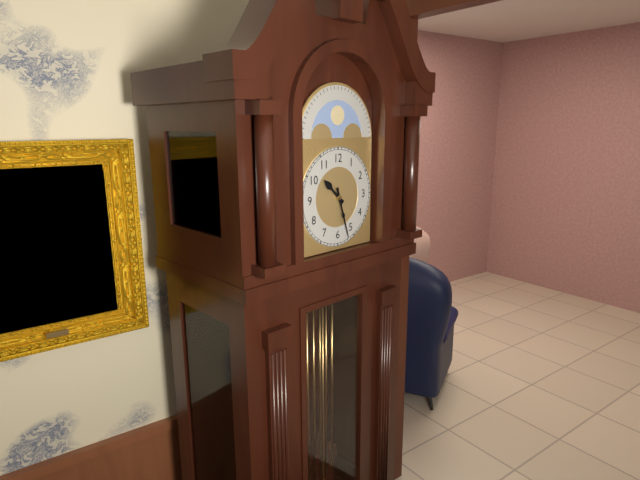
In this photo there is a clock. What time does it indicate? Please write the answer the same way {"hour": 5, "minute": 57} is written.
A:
{"hour": 10, "minute": 27}
